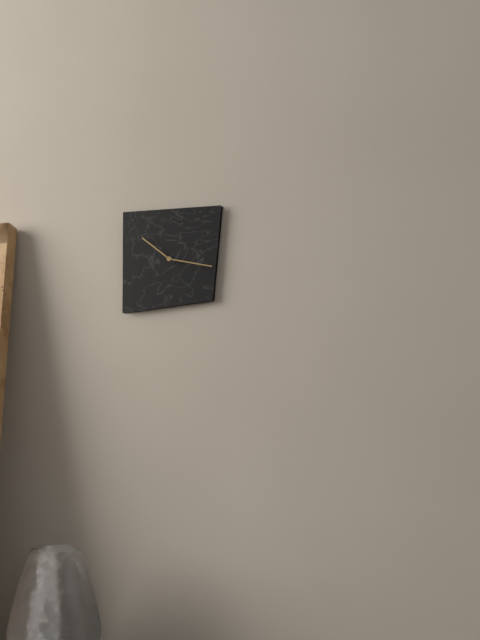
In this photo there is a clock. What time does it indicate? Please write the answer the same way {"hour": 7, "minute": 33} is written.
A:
{"hour": 10, "minute": 17}
